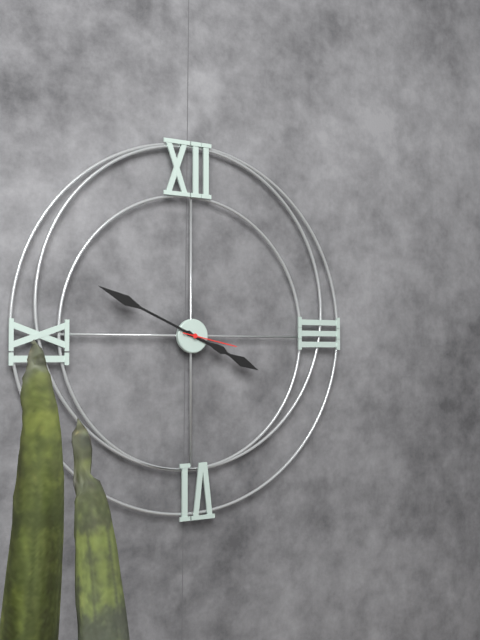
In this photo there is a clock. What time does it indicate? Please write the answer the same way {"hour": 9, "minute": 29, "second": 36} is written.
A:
{"hour": 3, "minute": 49, "second": 17}
